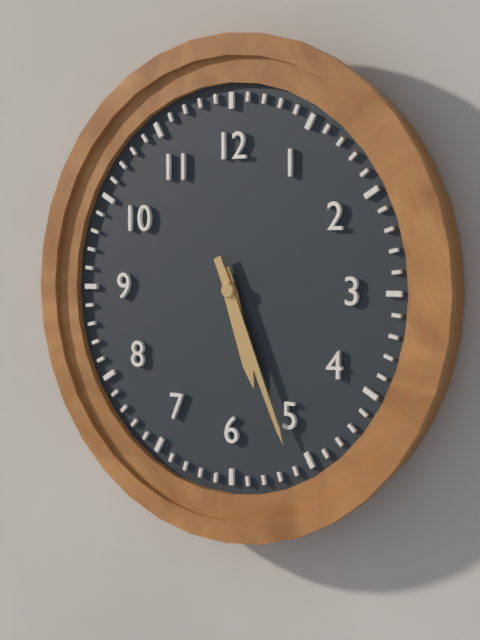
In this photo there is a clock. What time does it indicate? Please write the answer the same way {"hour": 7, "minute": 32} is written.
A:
{"hour": 5, "minute": 26}
